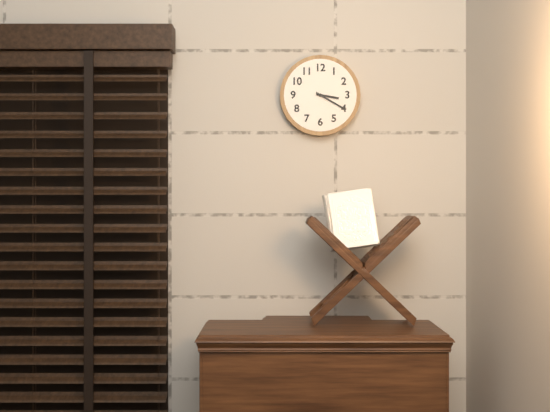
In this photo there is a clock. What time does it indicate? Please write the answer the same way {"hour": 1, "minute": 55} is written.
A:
{"hour": 3, "minute": 20}
